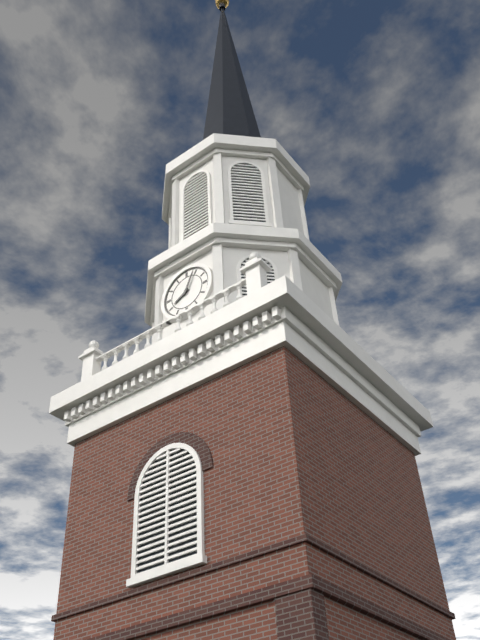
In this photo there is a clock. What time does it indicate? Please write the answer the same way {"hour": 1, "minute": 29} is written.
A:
{"hour": 8, "minute": 4}
